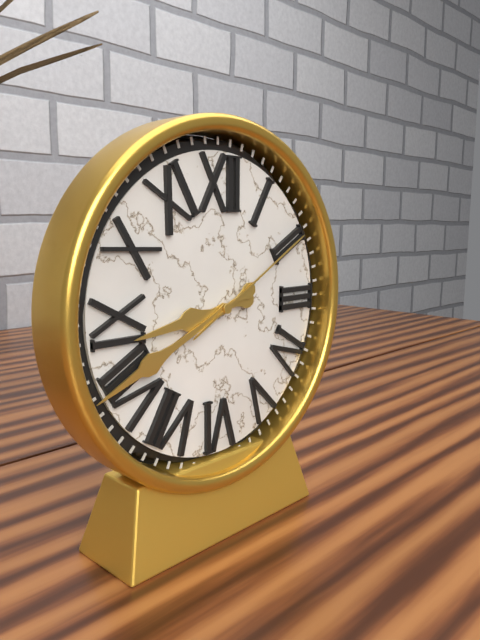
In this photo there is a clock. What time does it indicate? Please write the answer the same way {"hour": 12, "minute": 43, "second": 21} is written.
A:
{"hour": 8, "minute": 41, "second": 10}
